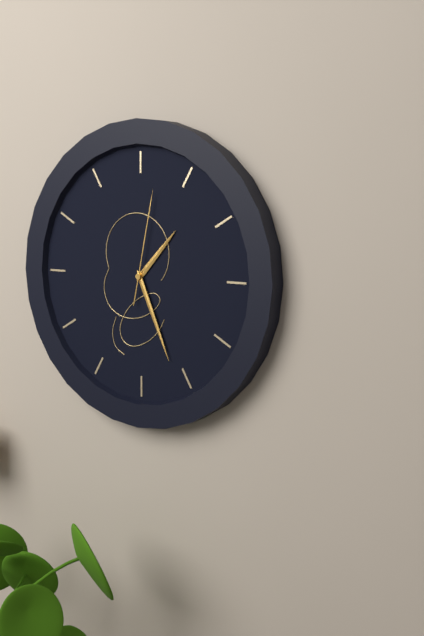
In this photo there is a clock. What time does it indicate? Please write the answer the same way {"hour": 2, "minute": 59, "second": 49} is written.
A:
{"hour": 1, "minute": 26, "second": 2}
